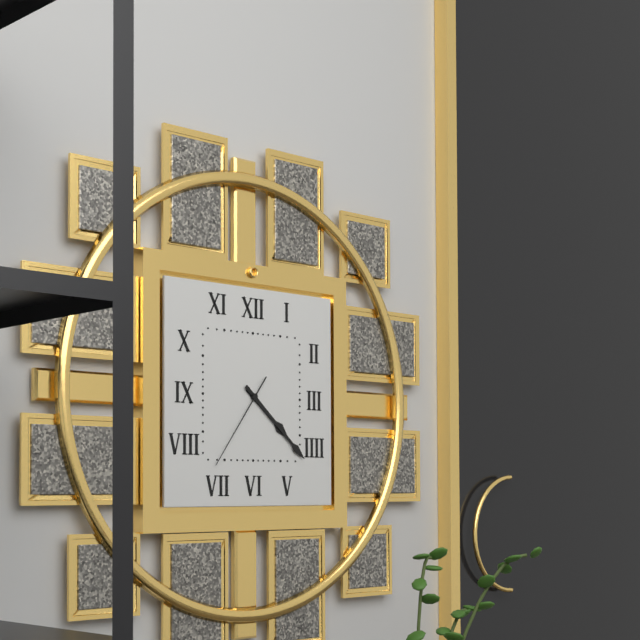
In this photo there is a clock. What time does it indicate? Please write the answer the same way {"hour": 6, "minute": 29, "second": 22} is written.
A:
{"hour": 4, "minute": 22, "second": 36}
